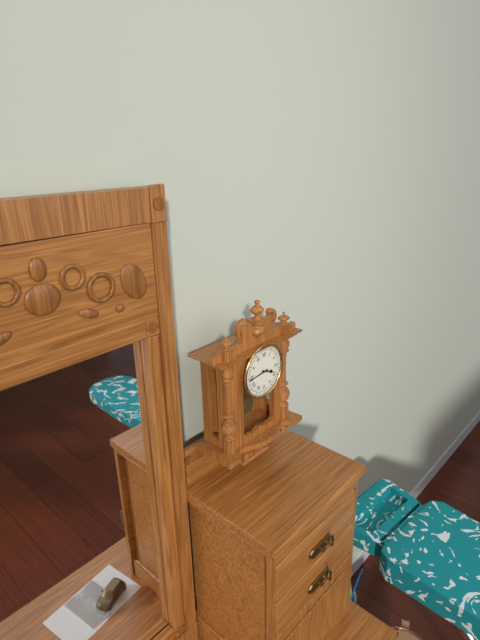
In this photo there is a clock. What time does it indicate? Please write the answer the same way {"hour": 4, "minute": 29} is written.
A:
{"hour": 3, "minute": 44}
